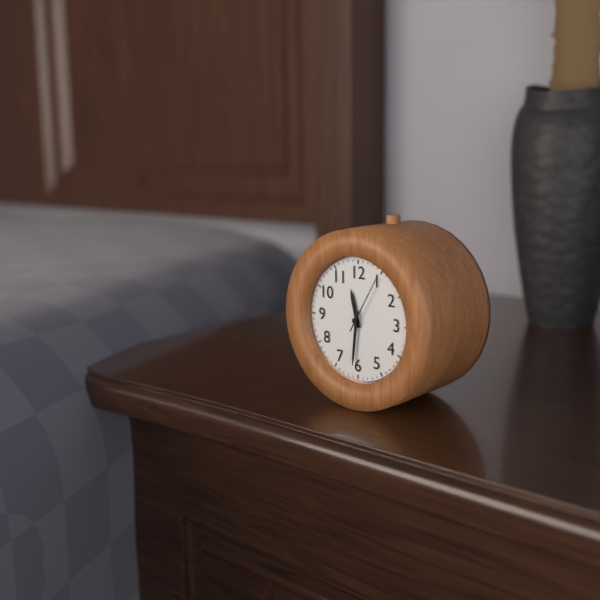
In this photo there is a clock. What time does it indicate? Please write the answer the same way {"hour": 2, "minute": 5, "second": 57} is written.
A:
{"hour": 11, "minute": 31, "second": 5}
